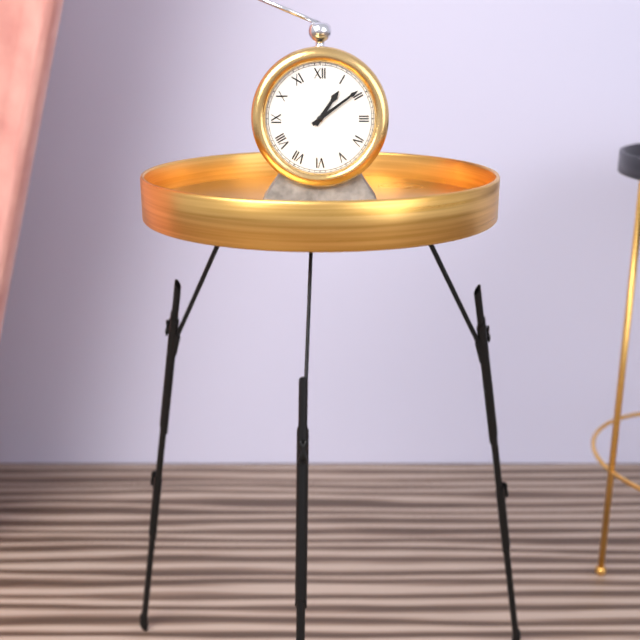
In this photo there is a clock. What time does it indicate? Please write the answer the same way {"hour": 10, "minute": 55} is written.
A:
{"hour": 1, "minute": 9}
